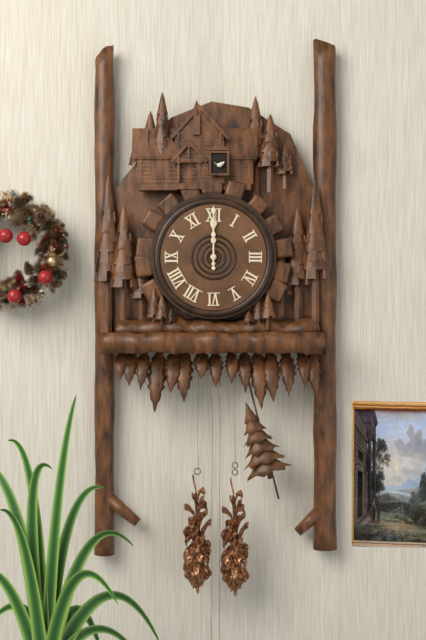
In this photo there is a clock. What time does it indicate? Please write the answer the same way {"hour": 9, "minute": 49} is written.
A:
{"hour": 12, "minute": 0}
